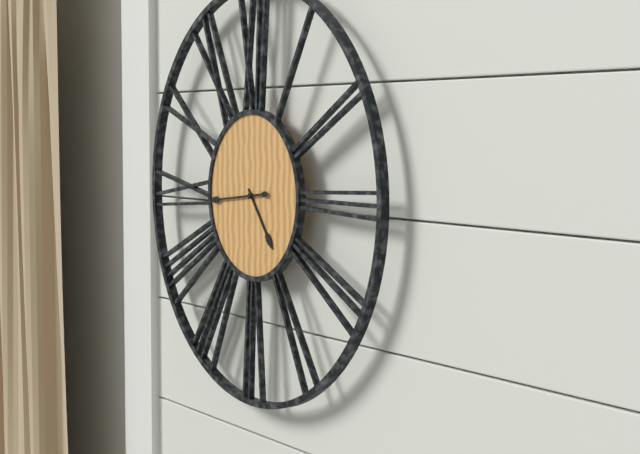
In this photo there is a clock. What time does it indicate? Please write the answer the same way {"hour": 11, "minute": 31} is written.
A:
{"hour": 4, "minute": 44}
